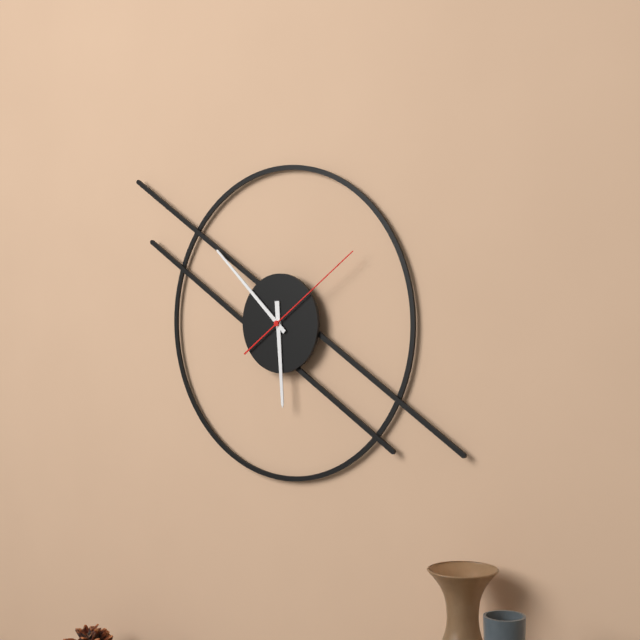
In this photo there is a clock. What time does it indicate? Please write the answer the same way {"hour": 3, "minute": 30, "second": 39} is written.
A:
{"hour": 5, "minute": 52, "second": 9}
